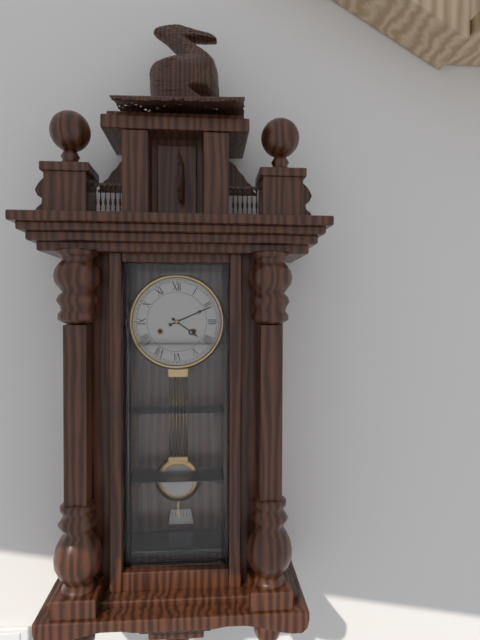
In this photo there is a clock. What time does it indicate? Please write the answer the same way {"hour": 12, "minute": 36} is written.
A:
{"hour": 4, "minute": 11}
